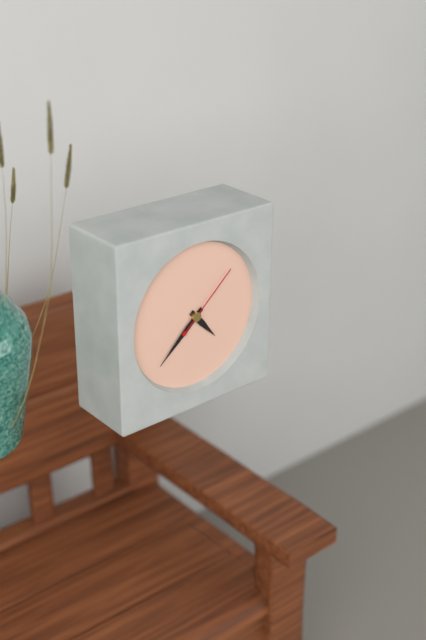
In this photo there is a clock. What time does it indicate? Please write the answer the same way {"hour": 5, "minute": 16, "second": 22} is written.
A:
{"hour": 4, "minute": 38, "second": 8}
